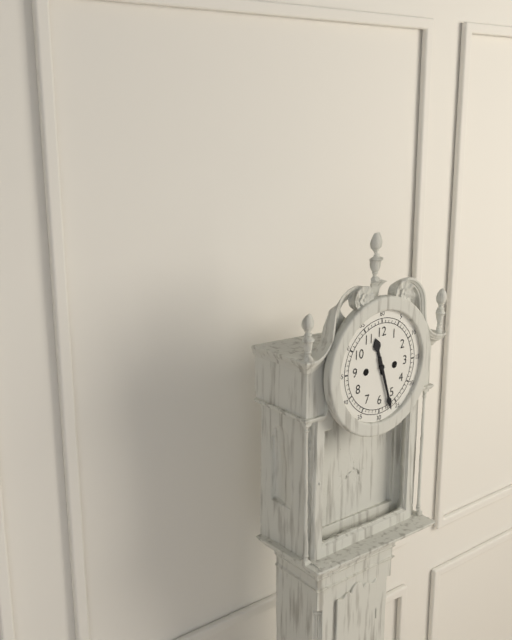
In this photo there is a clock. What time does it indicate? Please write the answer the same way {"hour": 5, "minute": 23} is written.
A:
{"hour": 11, "minute": 27}
